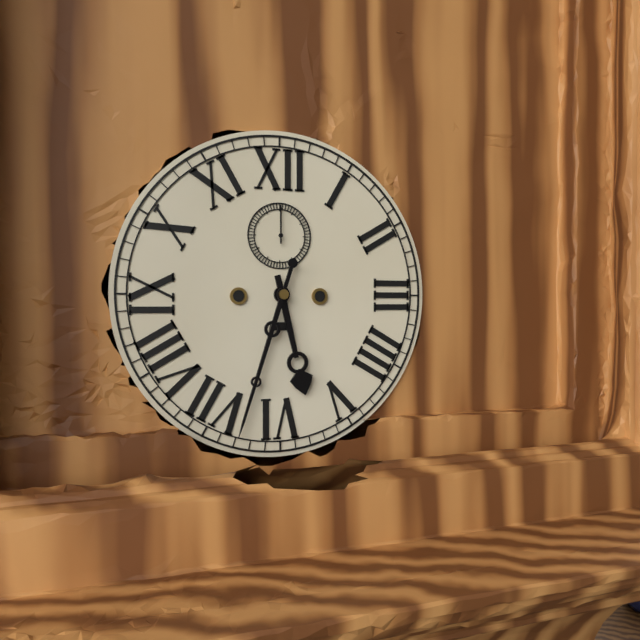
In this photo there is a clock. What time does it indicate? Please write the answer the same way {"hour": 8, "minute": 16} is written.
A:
{"hour": 5, "minute": 33}
